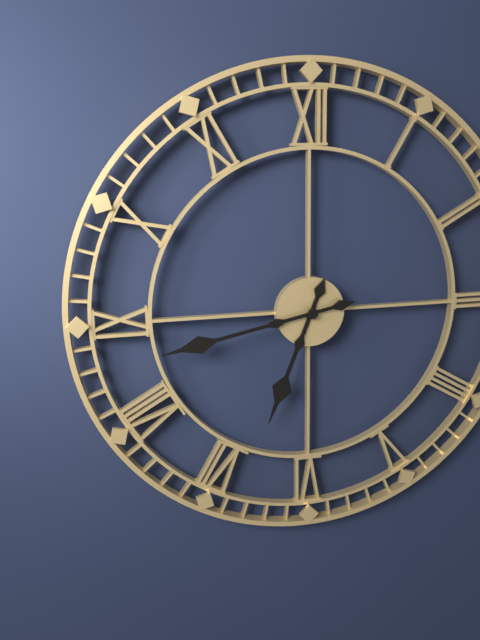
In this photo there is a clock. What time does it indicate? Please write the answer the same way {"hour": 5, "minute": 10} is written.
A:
{"hour": 6, "minute": 43}
